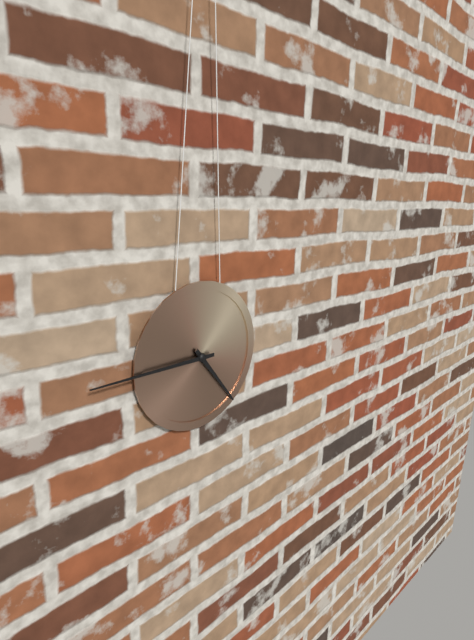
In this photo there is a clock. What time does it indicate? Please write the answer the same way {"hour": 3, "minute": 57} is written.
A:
{"hour": 4, "minute": 45}
